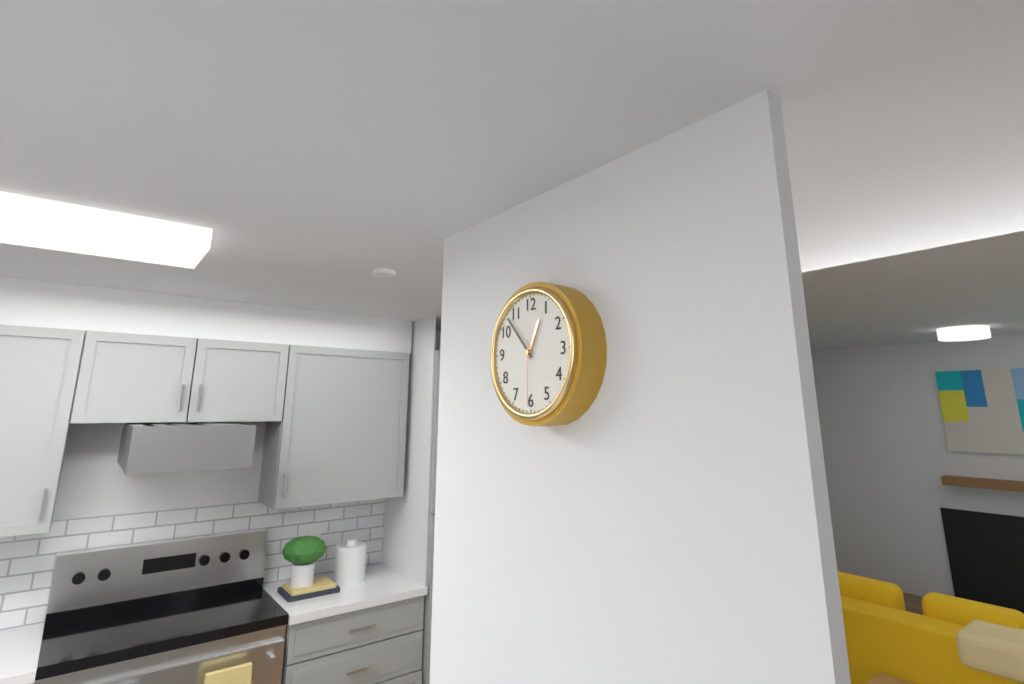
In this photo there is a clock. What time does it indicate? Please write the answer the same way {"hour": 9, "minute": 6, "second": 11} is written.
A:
{"hour": 12, "minute": 53, "second": 30}
